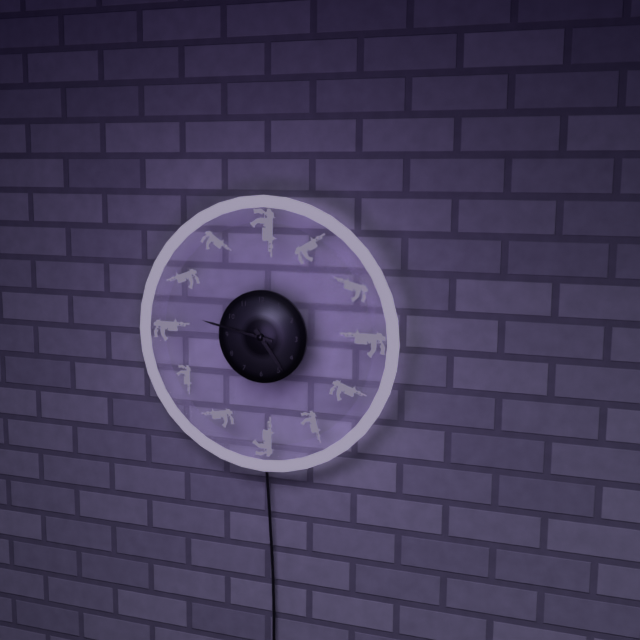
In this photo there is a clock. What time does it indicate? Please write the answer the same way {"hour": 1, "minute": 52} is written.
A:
{"hour": 4, "minute": 47}
